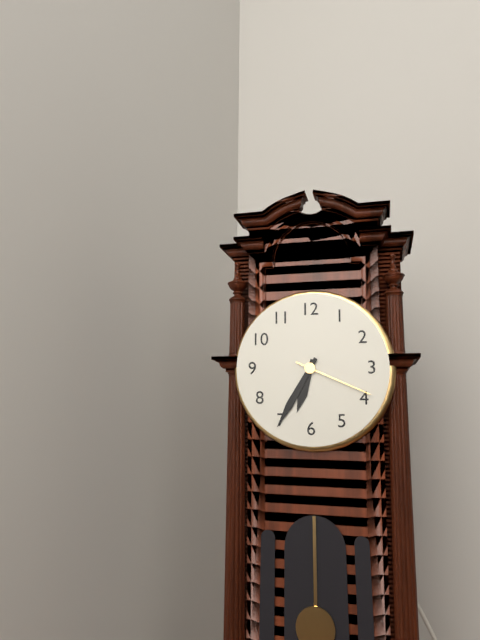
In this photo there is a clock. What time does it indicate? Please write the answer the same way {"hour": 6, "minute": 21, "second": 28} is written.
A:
{"hour": 6, "minute": 35, "second": 19}
